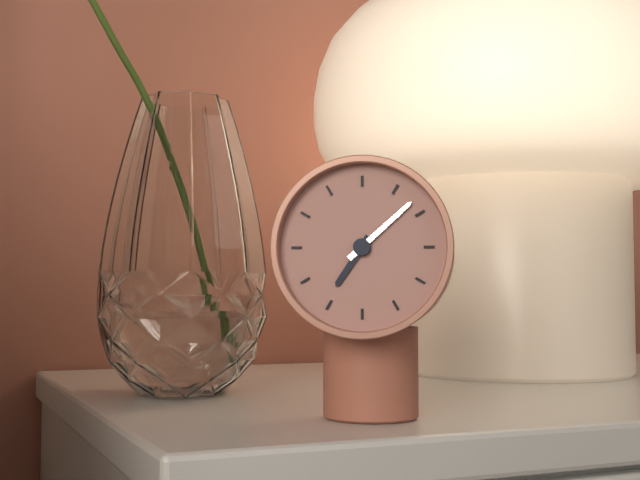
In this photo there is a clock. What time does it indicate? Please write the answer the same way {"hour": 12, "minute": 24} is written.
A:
{"hour": 7, "minute": 8}
